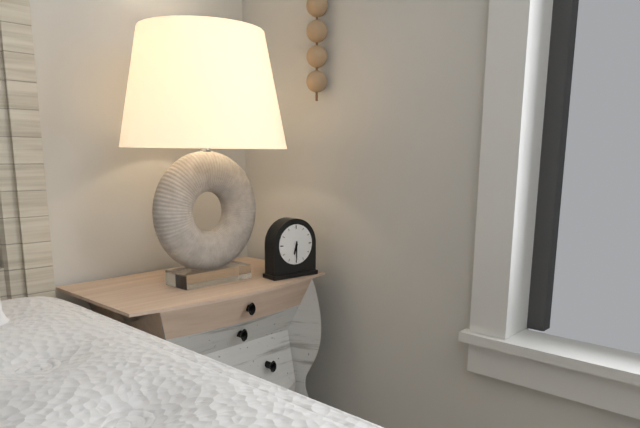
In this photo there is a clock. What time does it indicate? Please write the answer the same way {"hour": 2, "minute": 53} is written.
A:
{"hour": 6, "minute": 30}
